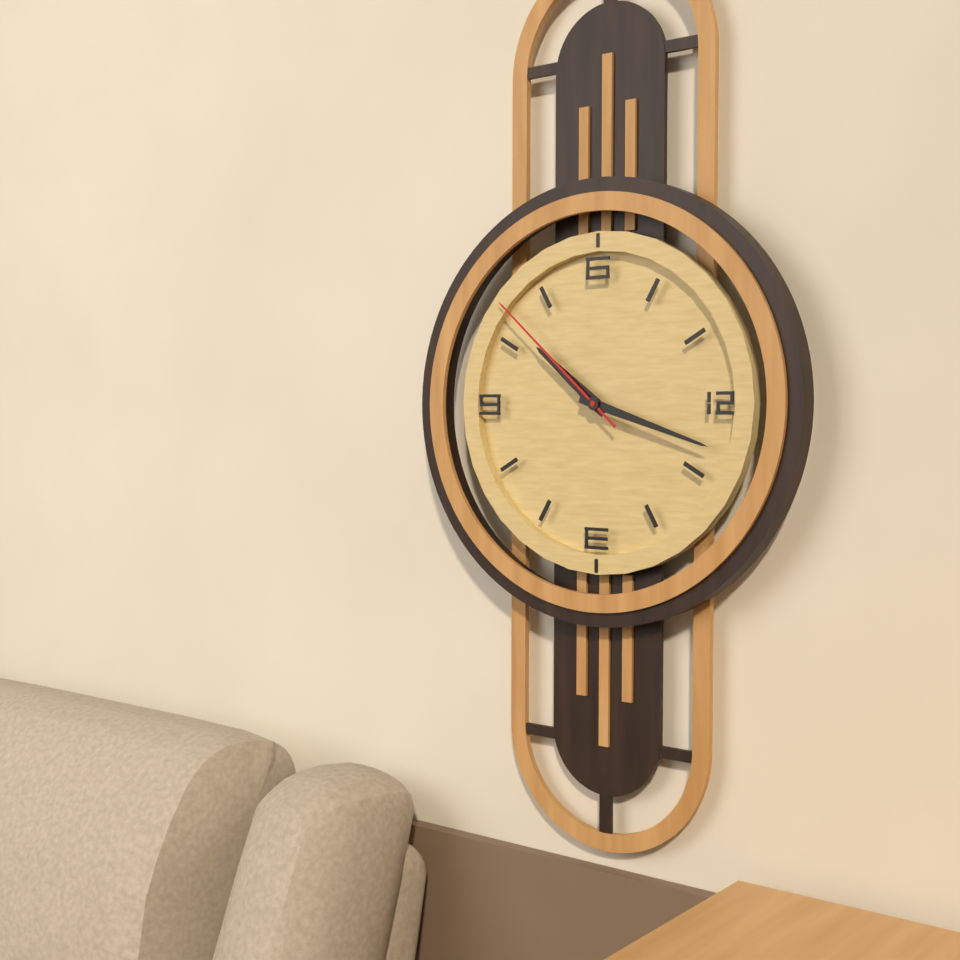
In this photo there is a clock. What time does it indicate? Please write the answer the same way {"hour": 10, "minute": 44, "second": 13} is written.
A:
{"hour": 10, "minute": 18, "second": 52}
